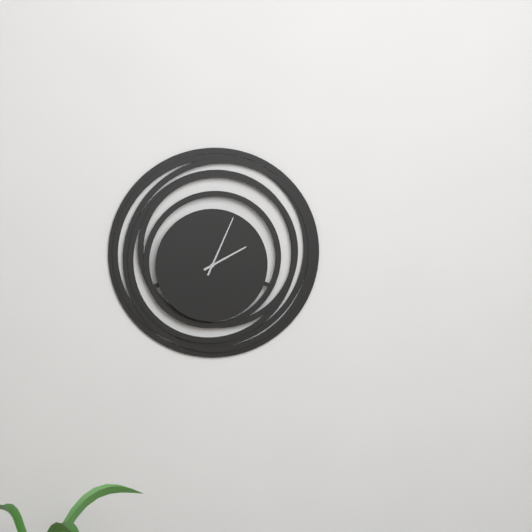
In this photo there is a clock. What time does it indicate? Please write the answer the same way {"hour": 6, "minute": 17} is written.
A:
{"hour": 2, "minute": 4}
